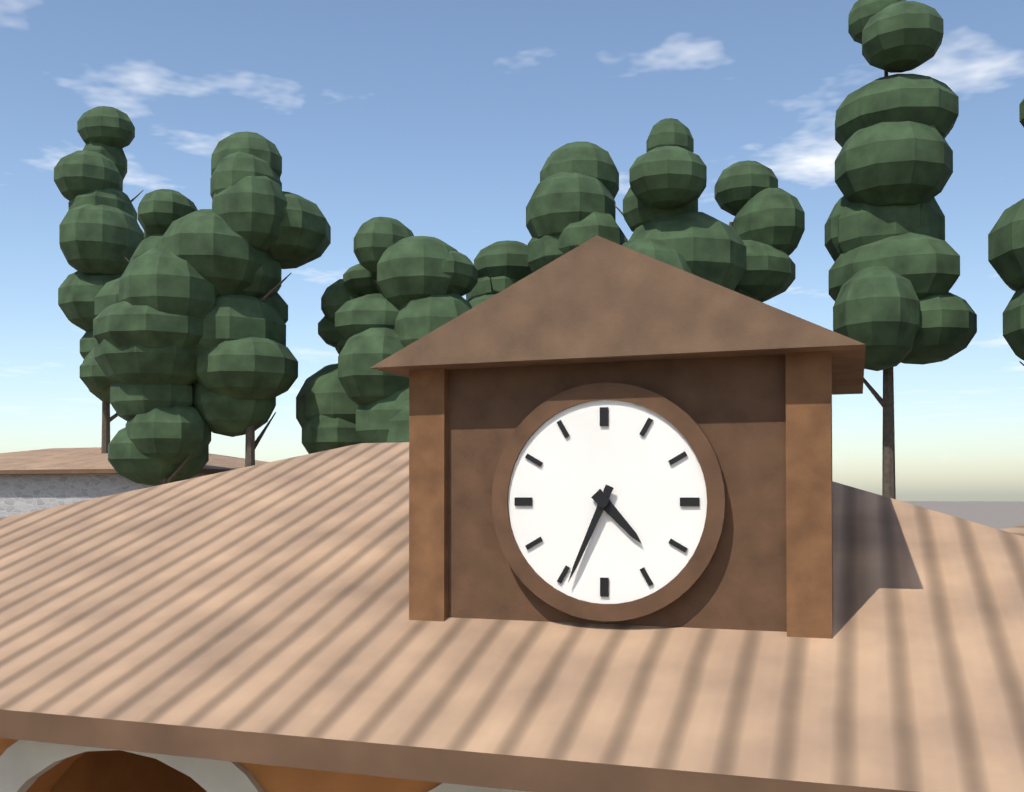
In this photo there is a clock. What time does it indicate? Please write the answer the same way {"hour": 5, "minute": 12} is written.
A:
{"hour": 4, "minute": 34}
